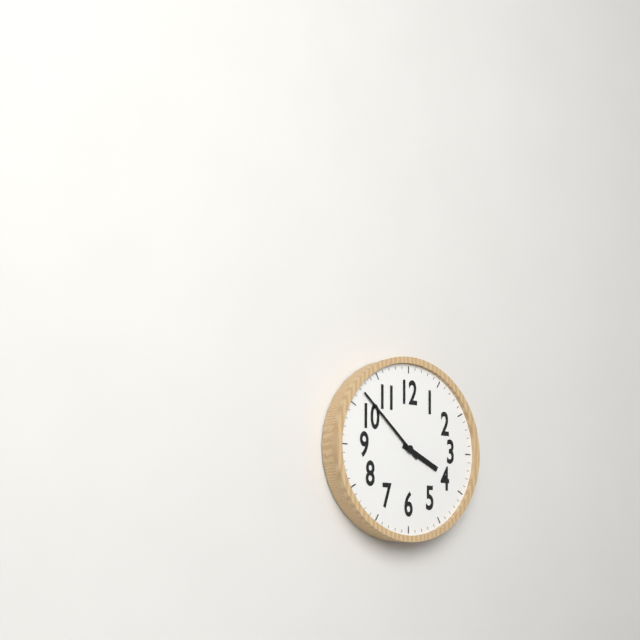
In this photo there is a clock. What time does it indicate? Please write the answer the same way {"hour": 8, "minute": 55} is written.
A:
{"hour": 3, "minute": 52}
